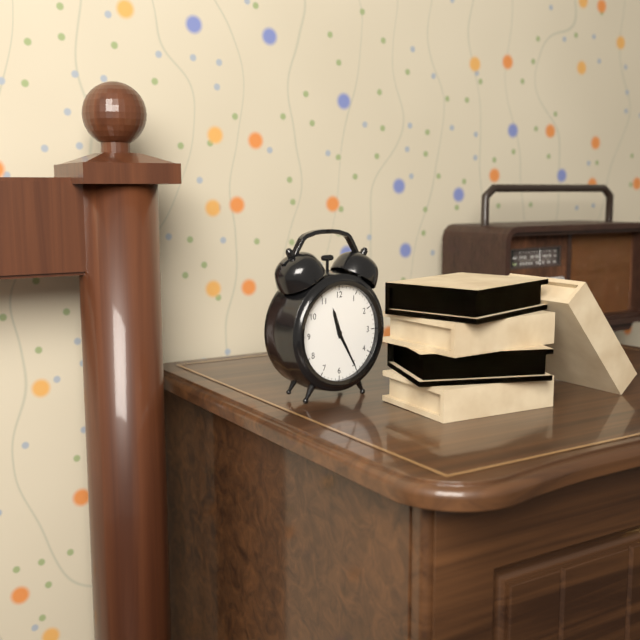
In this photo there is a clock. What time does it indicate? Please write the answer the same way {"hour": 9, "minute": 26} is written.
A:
{"hour": 11, "minute": 25}
